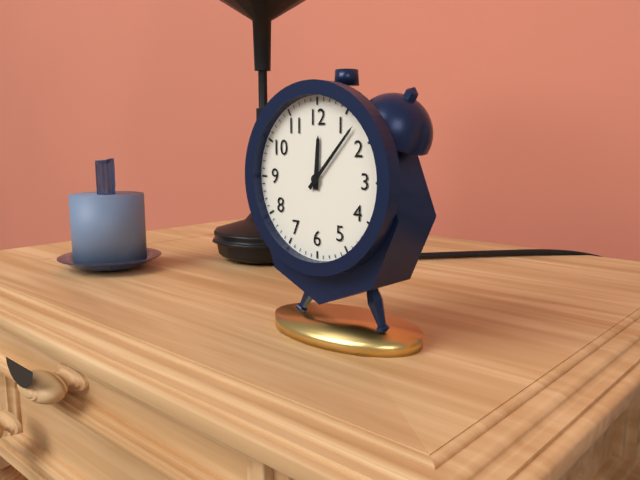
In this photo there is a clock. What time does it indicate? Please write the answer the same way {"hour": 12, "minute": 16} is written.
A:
{"hour": 12, "minute": 7}
